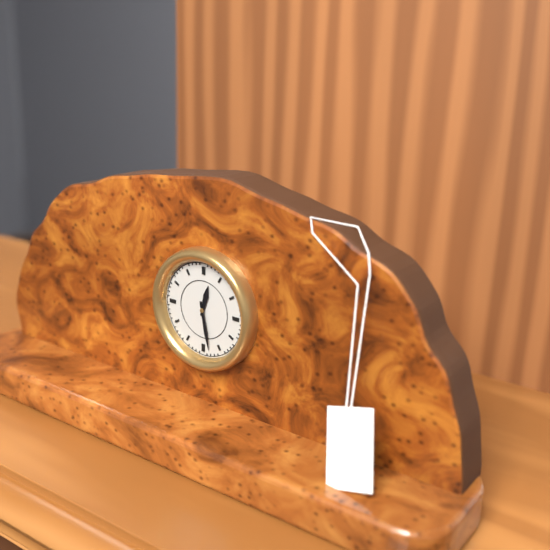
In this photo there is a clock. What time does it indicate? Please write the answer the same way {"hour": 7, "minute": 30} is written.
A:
{"hour": 12, "minute": 28}
